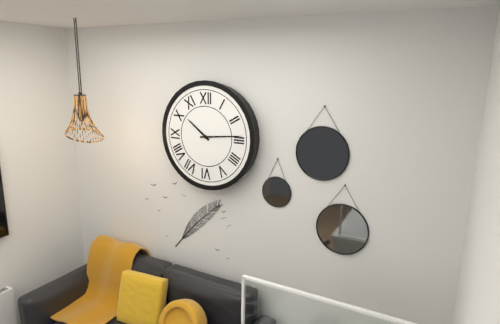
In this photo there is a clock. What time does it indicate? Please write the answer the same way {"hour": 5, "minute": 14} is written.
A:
{"hour": 10, "minute": 14}
